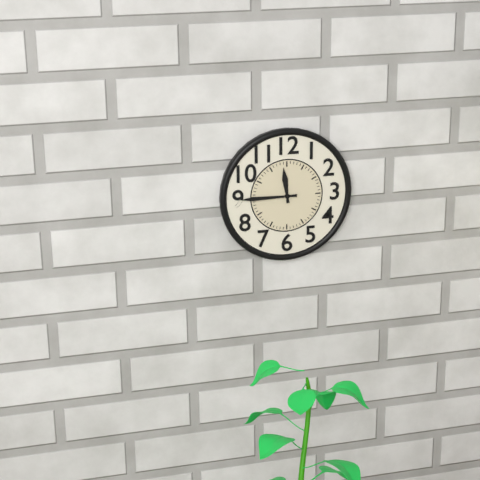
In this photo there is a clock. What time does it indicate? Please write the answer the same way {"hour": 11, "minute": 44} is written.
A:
{"hour": 11, "minute": 45}
